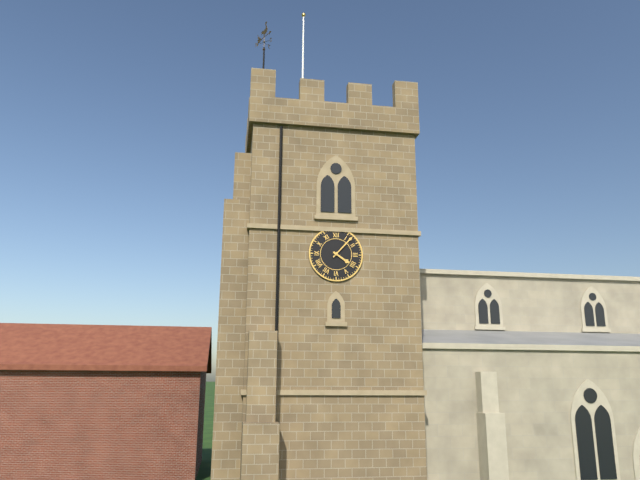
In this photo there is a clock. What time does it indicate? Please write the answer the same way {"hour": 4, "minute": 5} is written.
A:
{"hour": 4, "minute": 7}
